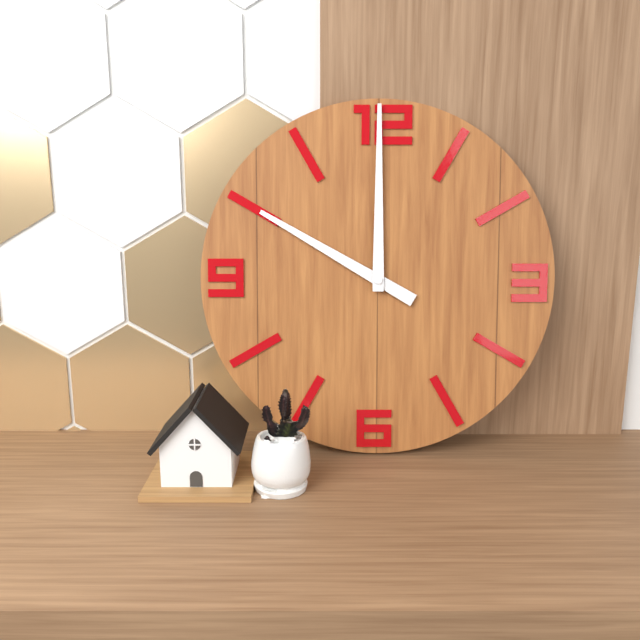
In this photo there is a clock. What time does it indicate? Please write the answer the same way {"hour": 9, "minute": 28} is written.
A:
{"hour": 10, "minute": 0}
